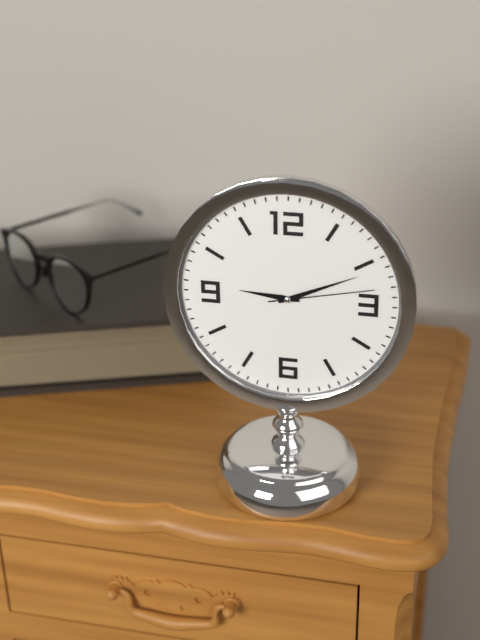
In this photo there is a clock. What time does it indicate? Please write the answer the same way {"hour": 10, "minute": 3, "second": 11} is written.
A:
{"hour": 9, "minute": 11, "second": 13}
